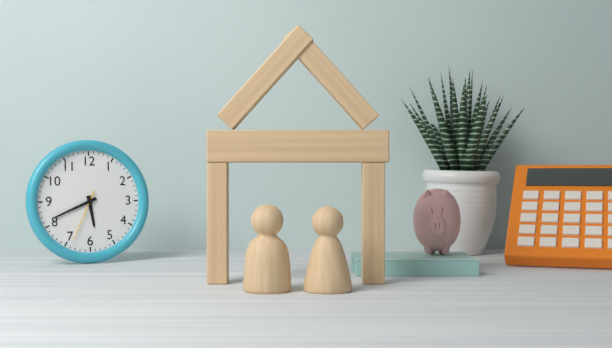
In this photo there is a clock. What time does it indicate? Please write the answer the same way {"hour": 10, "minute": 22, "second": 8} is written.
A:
{"hour": 5, "minute": 41, "second": 34}
